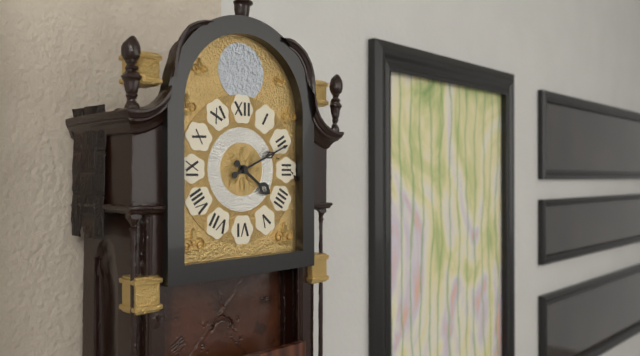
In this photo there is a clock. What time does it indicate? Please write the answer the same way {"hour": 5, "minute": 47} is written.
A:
{"hour": 4, "minute": 11}
